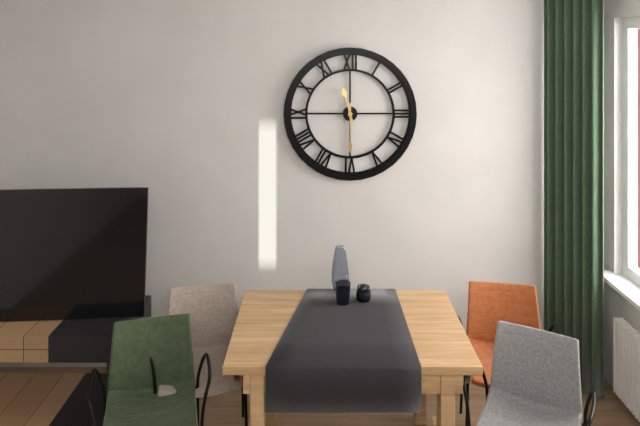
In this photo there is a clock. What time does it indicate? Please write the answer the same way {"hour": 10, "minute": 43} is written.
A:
{"hour": 11, "minute": 30}
